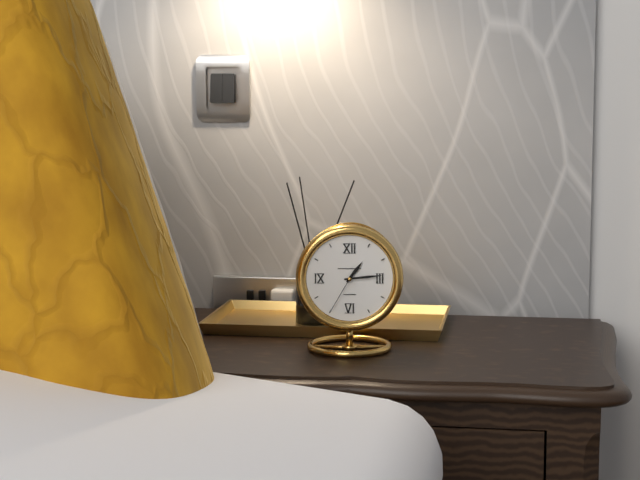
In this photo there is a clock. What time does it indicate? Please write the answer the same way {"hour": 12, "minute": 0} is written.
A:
{"hour": 1, "minute": 14}
